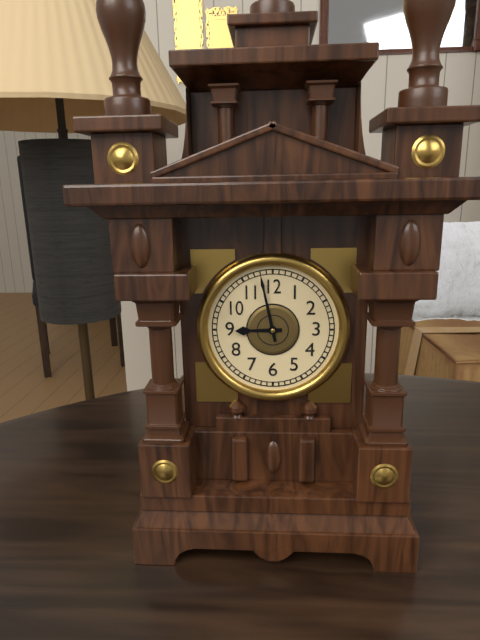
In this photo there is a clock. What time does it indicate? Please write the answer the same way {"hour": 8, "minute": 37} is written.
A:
{"hour": 8, "minute": 58}
